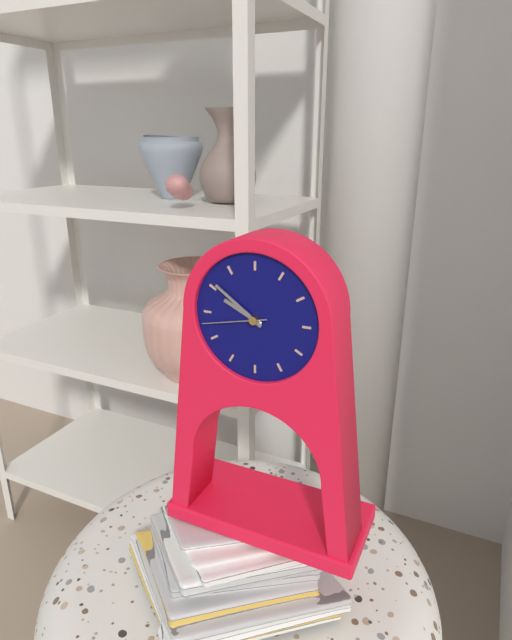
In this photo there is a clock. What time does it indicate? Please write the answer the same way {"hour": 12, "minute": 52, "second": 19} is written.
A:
{"hour": 9, "minute": 51, "second": 43}
